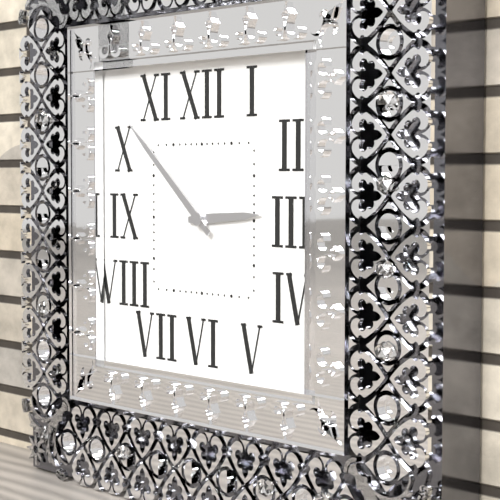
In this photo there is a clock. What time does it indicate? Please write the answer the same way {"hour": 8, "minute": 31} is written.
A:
{"hour": 2, "minute": 52}
